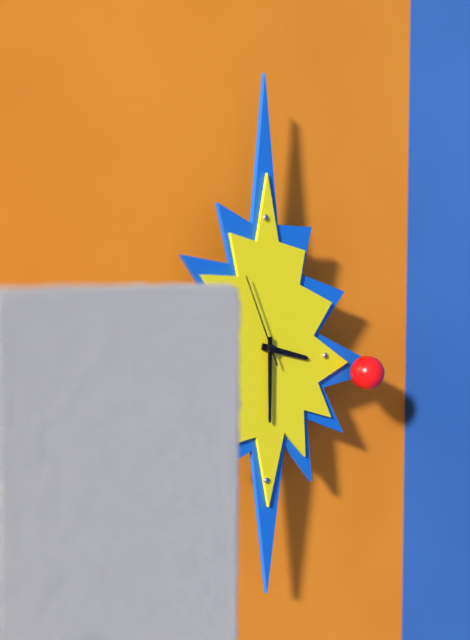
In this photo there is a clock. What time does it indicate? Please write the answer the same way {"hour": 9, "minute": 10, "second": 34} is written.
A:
{"hour": 3, "minute": 30, "second": 56}
